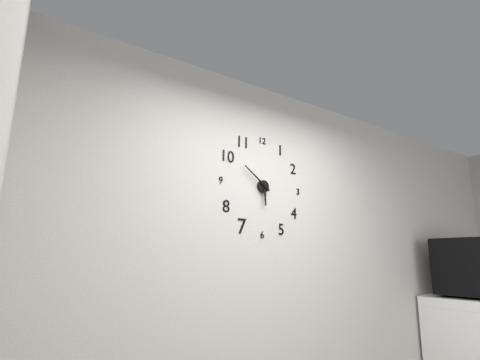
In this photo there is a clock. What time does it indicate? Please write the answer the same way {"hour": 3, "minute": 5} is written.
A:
{"hour": 5, "minute": 51}
